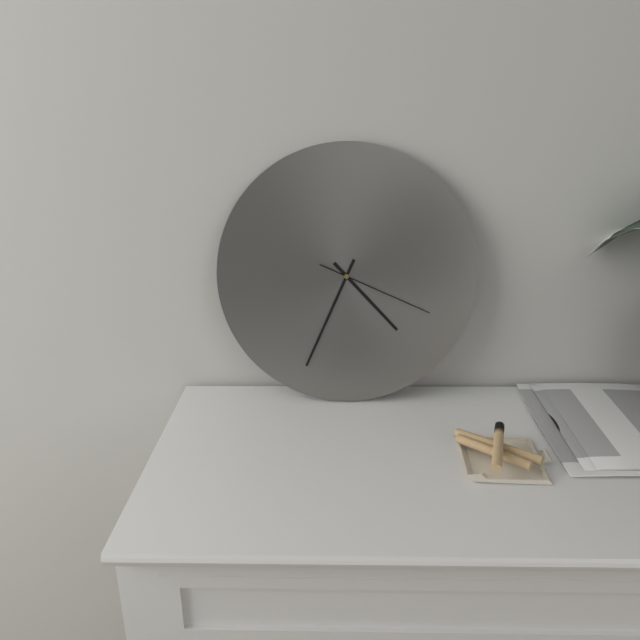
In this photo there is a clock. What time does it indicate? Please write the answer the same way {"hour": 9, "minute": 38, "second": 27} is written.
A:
{"hour": 4, "minute": 34, "second": 19}
